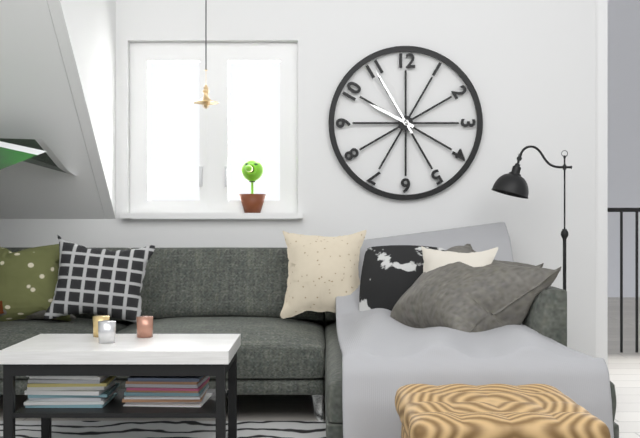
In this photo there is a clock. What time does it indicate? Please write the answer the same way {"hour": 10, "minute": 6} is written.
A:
{"hour": 9, "minute": 55}
